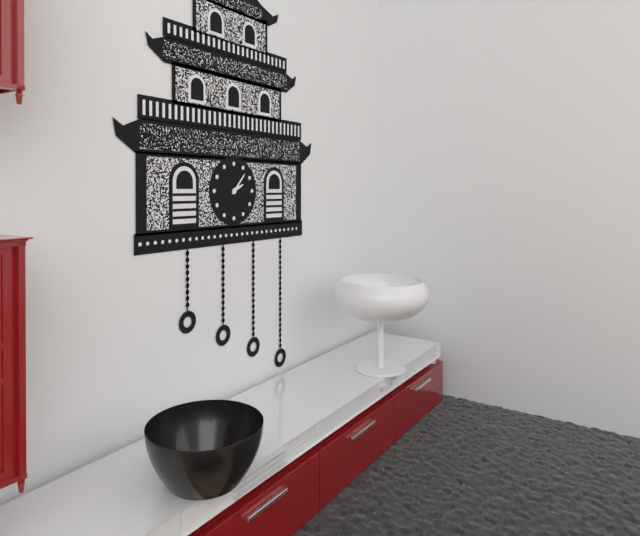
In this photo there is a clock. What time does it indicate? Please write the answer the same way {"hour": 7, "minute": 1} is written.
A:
{"hour": 2, "minute": 7}
